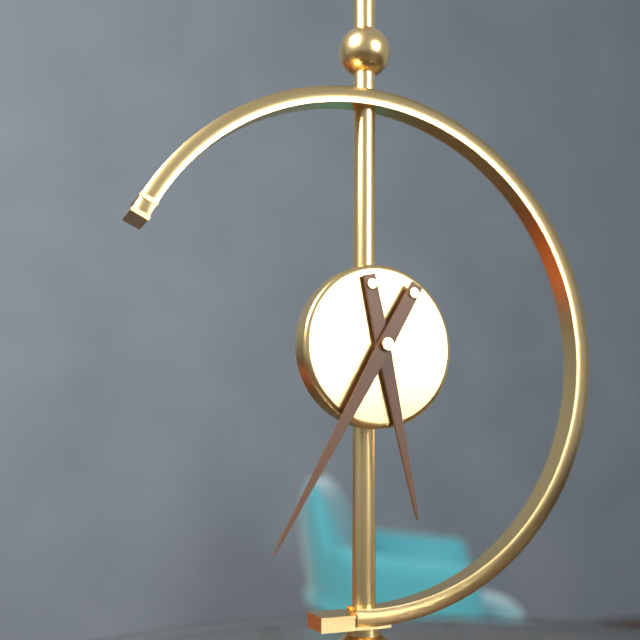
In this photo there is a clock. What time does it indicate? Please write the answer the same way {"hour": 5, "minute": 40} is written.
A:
{"hour": 5, "minute": 35}
